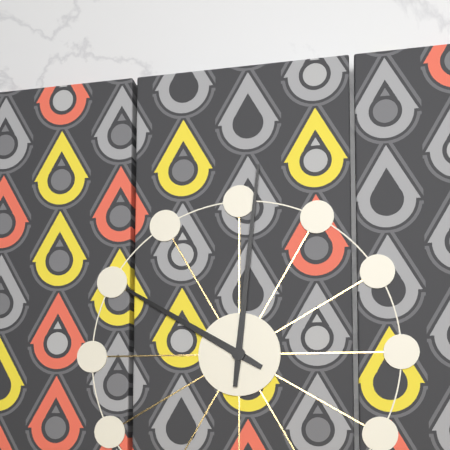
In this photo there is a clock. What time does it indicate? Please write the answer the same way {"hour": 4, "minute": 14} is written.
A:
{"hour": 10, "minute": 1}
